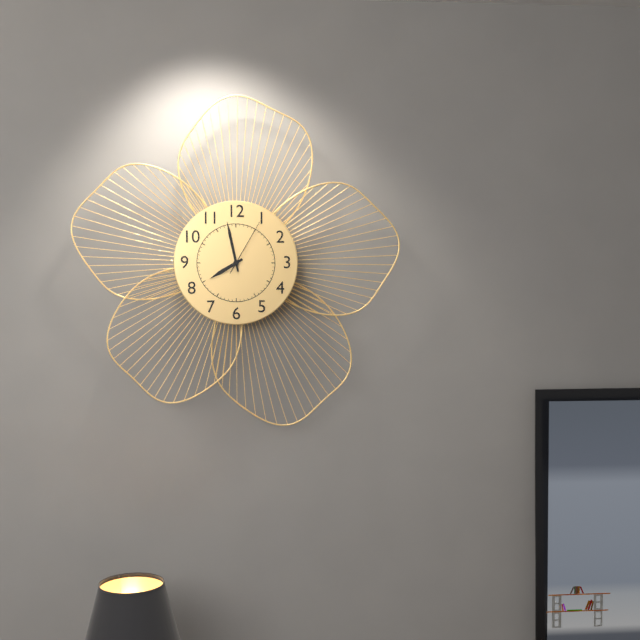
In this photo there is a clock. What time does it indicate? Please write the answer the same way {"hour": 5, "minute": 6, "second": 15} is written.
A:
{"hour": 7, "minute": 58, "second": 5}
